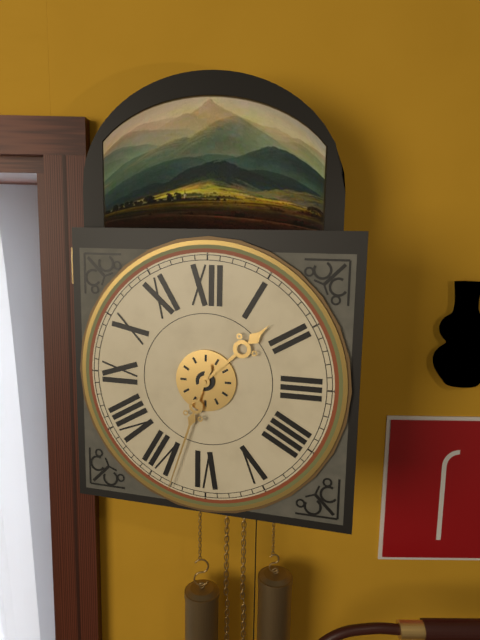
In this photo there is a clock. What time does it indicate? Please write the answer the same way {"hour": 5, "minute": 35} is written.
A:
{"hour": 1, "minute": 33}
